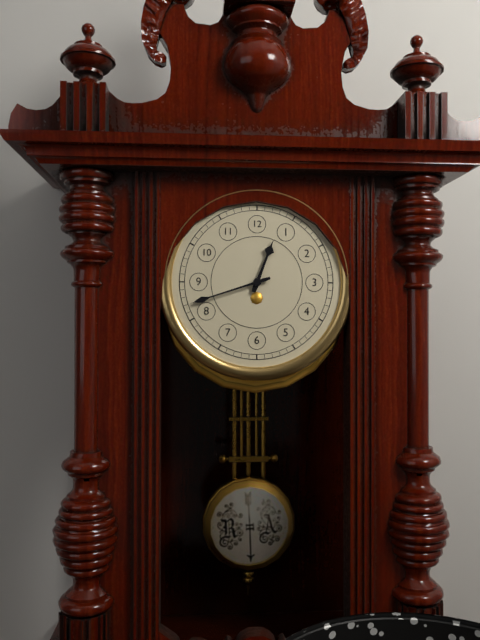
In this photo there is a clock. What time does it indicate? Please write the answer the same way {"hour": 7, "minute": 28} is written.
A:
{"hour": 12, "minute": 42}
